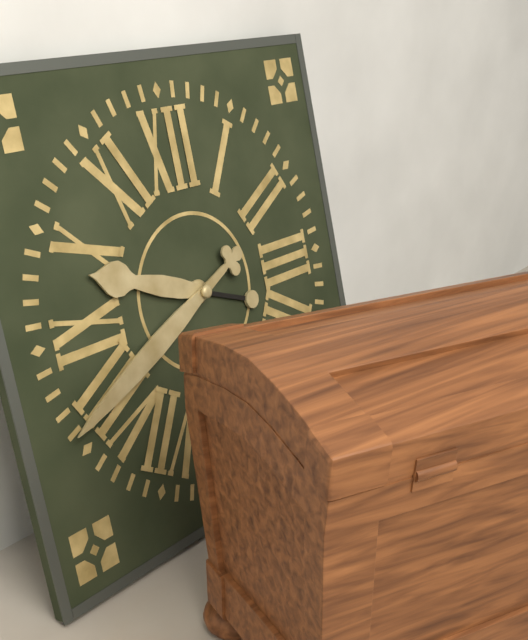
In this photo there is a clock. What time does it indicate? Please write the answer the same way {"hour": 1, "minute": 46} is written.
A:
{"hour": 9, "minute": 41}
